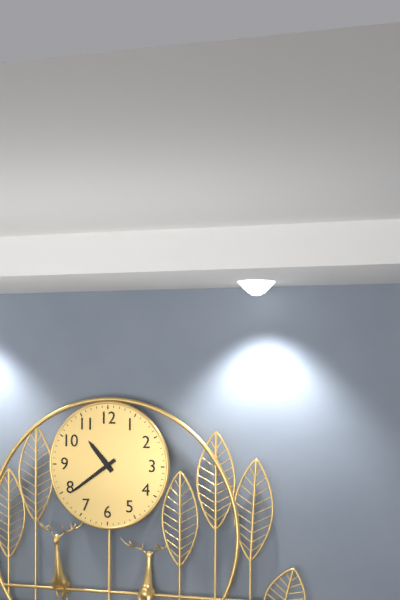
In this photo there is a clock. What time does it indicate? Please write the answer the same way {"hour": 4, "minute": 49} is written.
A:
{"hour": 10, "minute": 39}
